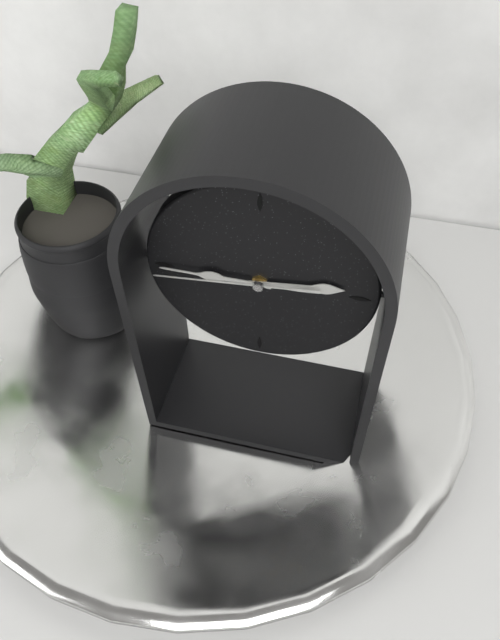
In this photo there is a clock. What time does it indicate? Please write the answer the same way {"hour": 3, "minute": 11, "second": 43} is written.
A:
{"hour": 2, "minute": 45, "second": 44}
